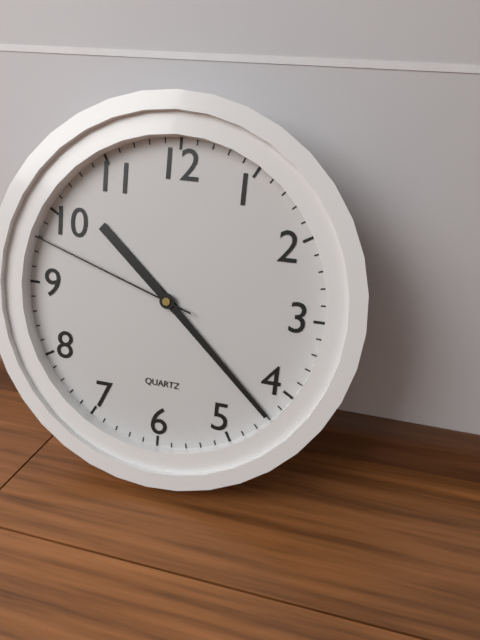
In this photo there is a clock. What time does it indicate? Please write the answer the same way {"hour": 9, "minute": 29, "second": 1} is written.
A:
{"hour": 10, "minute": 22, "second": 48}
